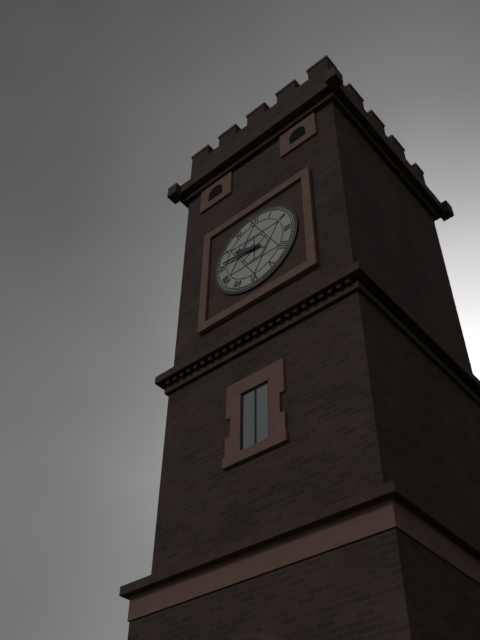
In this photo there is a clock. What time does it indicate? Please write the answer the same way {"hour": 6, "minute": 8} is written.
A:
{"hour": 9, "minute": 46}
